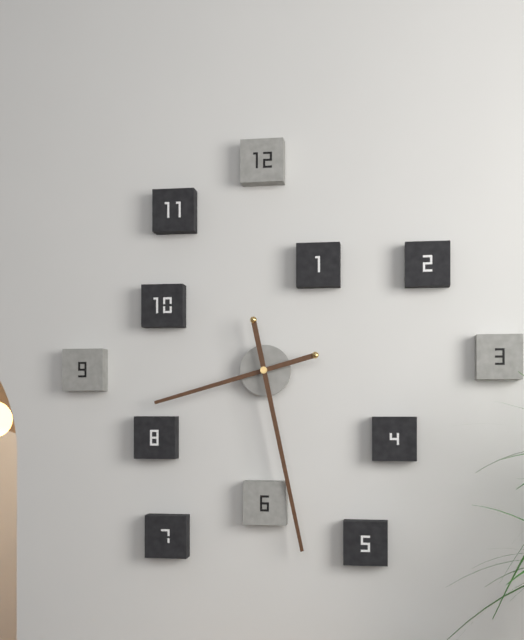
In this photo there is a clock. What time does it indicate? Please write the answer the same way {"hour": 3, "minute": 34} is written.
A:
{"hour": 8, "minute": 28}
